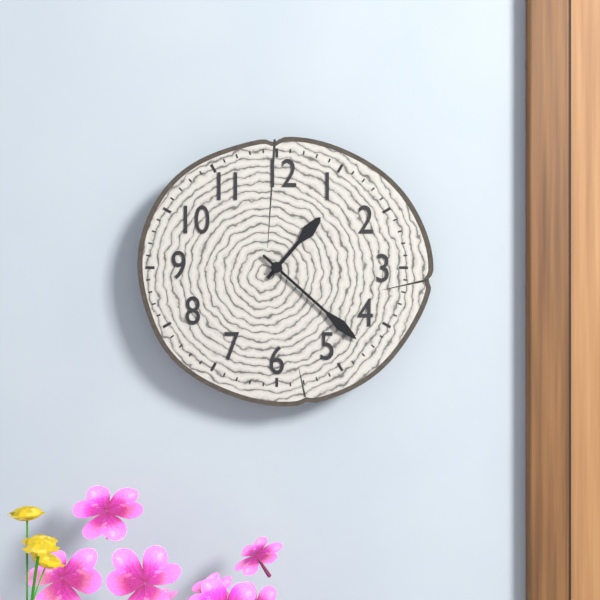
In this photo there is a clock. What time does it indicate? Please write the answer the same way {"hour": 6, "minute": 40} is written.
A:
{"hour": 1, "minute": 22}
